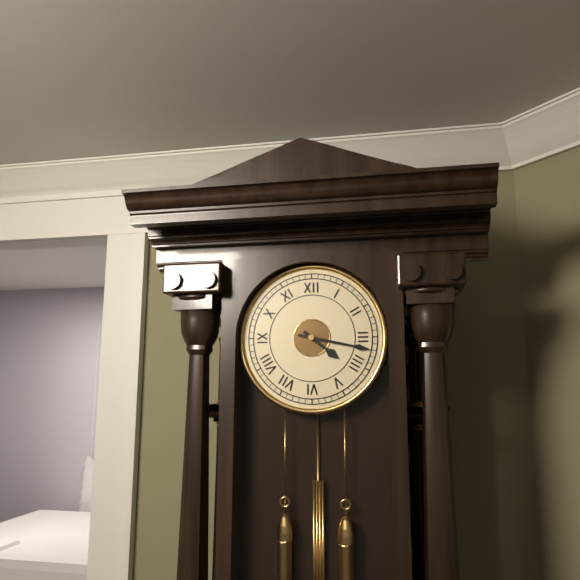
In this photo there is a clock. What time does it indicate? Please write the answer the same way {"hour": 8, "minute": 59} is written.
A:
{"hour": 4, "minute": 17}
